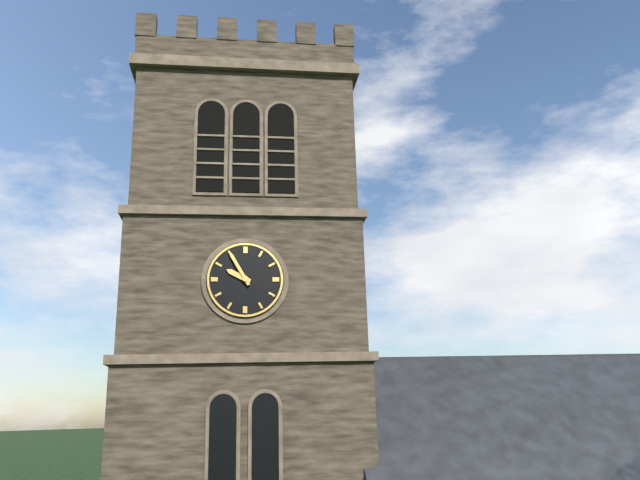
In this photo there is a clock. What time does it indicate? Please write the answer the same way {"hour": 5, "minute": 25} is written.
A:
{"hour": 9, "minute": 55}
